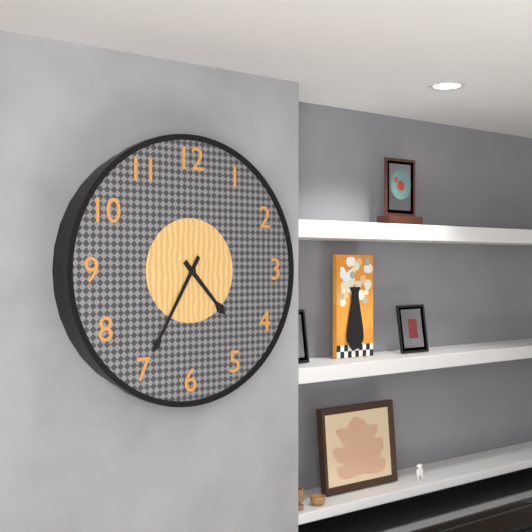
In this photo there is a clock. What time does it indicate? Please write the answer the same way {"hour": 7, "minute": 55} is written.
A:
{"hour": 4, "minute": 35}
